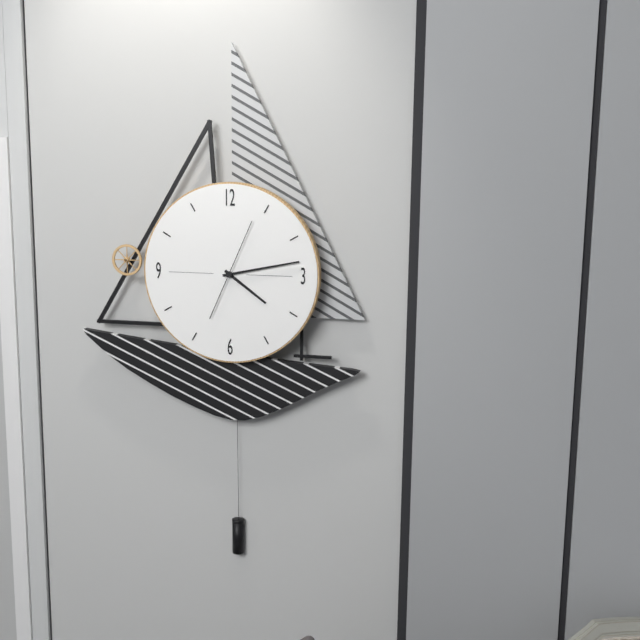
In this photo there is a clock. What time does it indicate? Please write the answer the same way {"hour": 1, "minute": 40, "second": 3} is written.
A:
{"hour": 4, "minute": 13, "second": 4}
